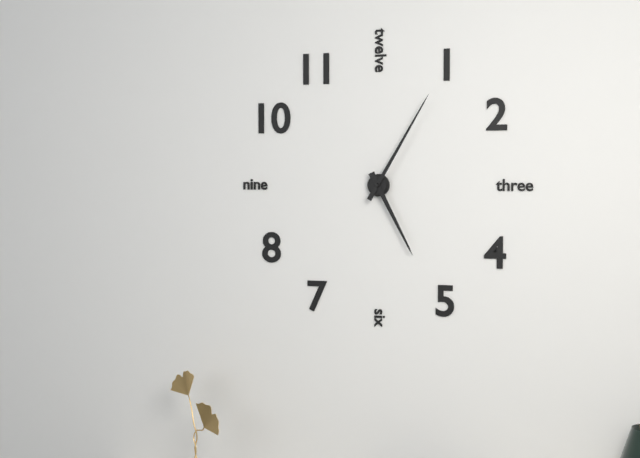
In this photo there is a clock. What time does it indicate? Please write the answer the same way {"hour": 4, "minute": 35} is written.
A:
{"hour": 5, "minute": 5}
